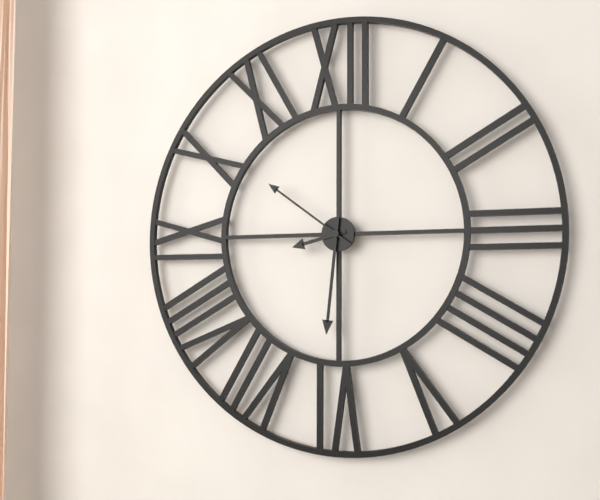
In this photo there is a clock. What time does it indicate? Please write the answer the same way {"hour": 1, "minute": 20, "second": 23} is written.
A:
{"hour": 8, "minute": 31, "second": 51}
